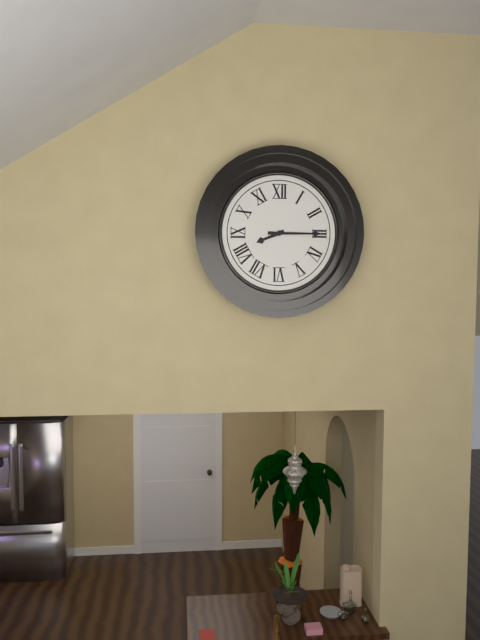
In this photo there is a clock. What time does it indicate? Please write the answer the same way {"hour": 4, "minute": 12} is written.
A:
{"hour": 8, "minute": 15}
